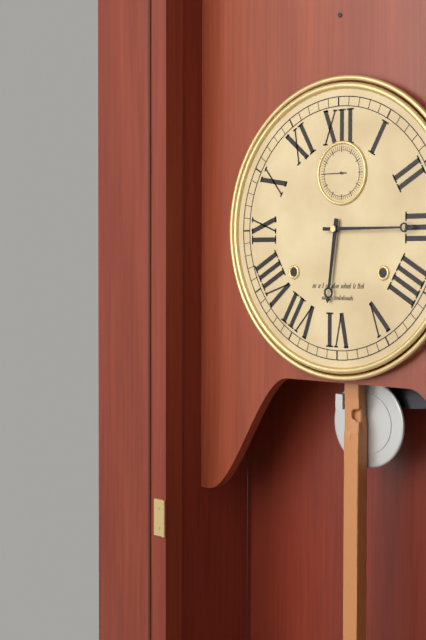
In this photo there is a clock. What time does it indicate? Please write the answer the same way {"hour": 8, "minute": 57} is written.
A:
{"hour": 6, "minute": 15}
